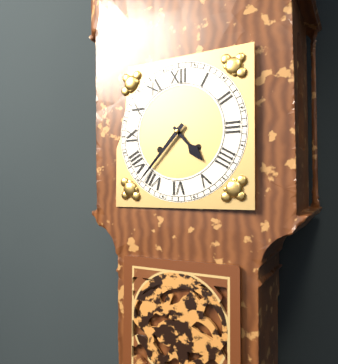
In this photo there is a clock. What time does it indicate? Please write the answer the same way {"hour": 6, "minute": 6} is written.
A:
{"hour": 4, "minute": 37}
